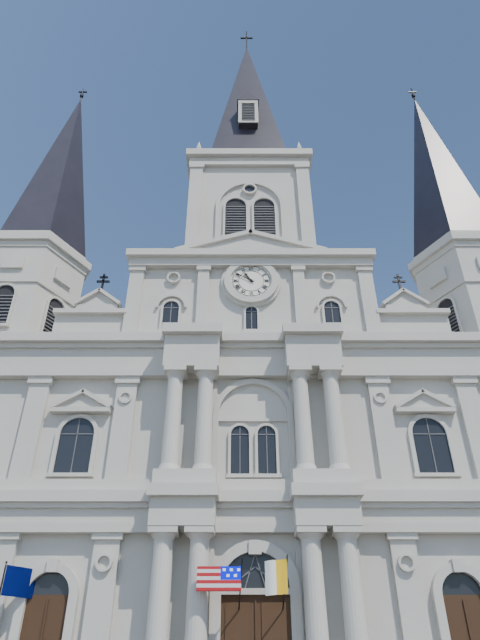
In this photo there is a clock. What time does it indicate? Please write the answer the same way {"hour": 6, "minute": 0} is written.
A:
{"hour": 10, "minute": 50}
